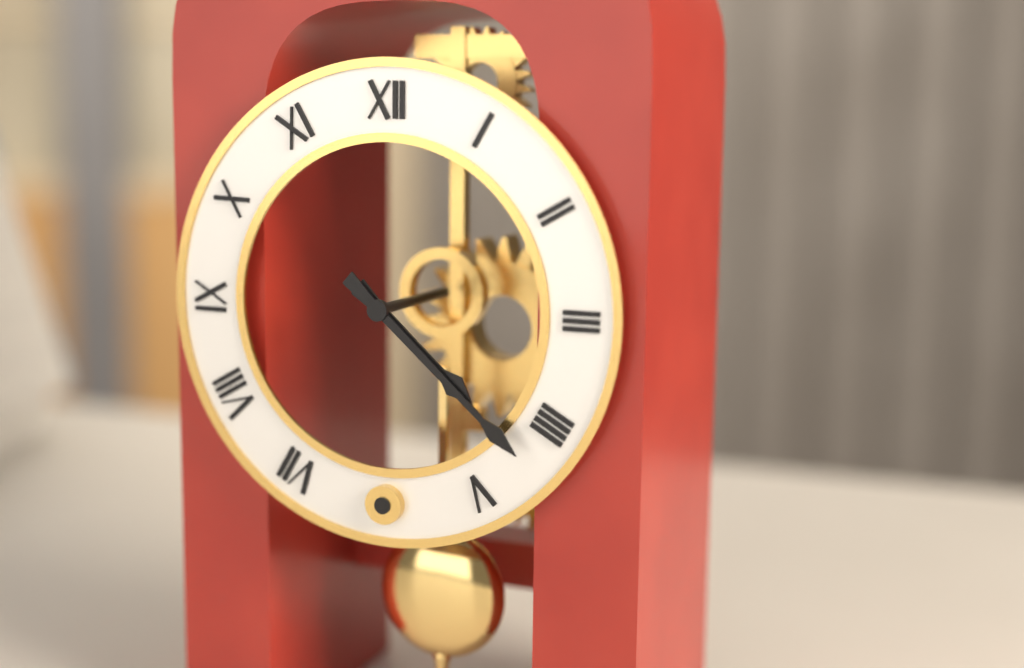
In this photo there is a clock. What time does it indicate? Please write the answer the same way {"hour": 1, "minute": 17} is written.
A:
{"hour": 4, "minute": 22}
